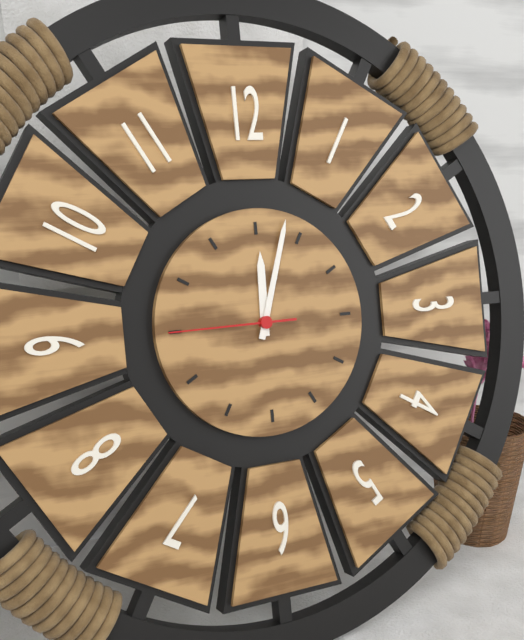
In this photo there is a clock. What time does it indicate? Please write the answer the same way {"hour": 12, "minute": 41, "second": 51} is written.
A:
{"hour": 12, "minute": 3, "second": 45}
